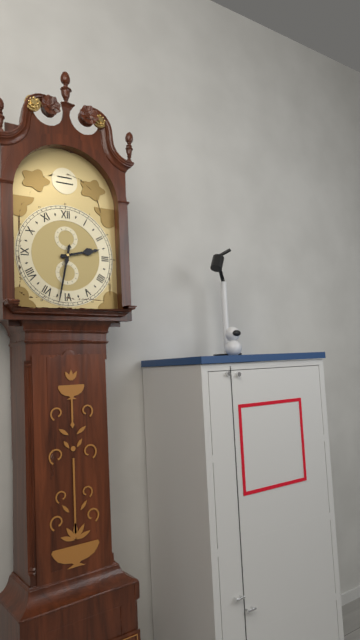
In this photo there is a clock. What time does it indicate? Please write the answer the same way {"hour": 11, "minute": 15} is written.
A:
{"hour": 2, "minute": 32}
